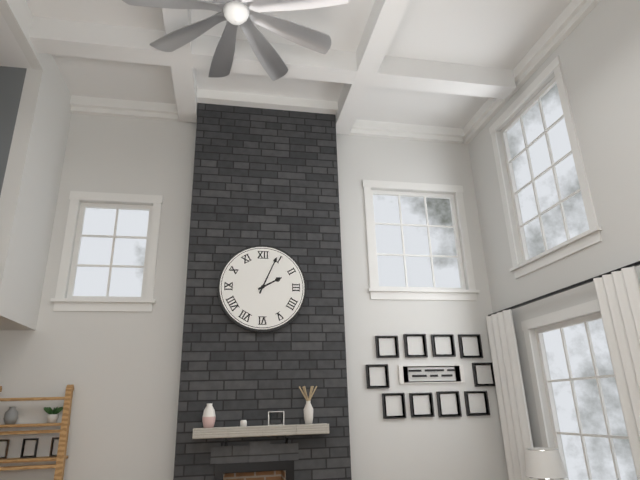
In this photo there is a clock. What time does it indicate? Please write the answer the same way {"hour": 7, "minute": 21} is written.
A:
{"hour": 2, "minute": 4}
